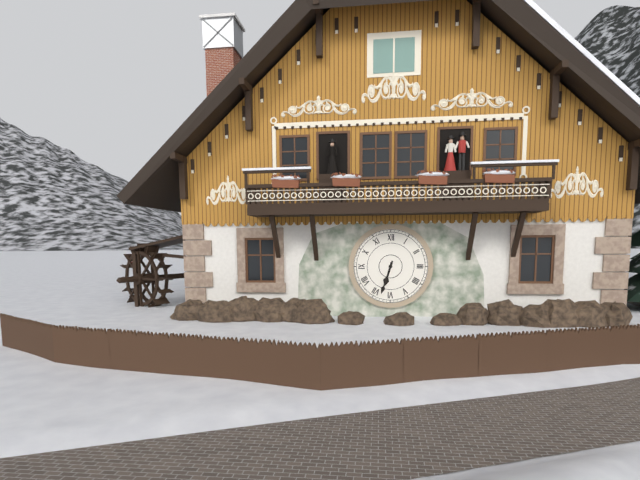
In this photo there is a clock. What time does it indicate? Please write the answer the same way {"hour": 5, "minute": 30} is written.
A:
{"hour": 6, "minute": 33}
